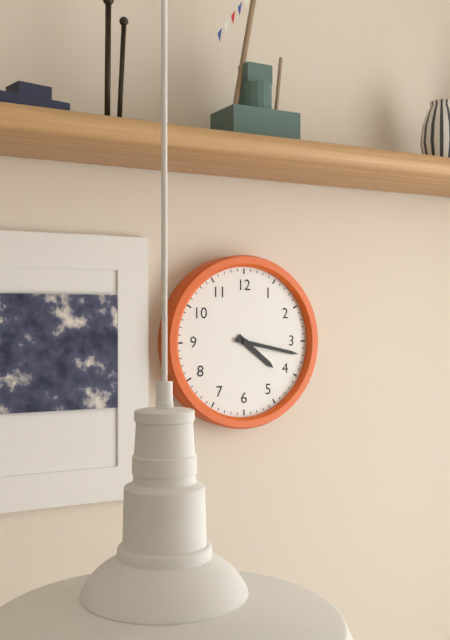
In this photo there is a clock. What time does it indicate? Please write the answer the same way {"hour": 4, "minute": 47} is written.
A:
{"hour": 4, "minute": 17}
